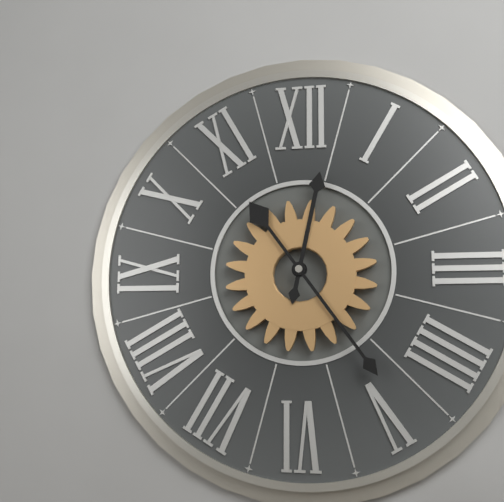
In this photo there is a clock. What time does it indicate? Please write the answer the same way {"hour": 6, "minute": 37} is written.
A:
{"hour": 12, "minute": 24}
